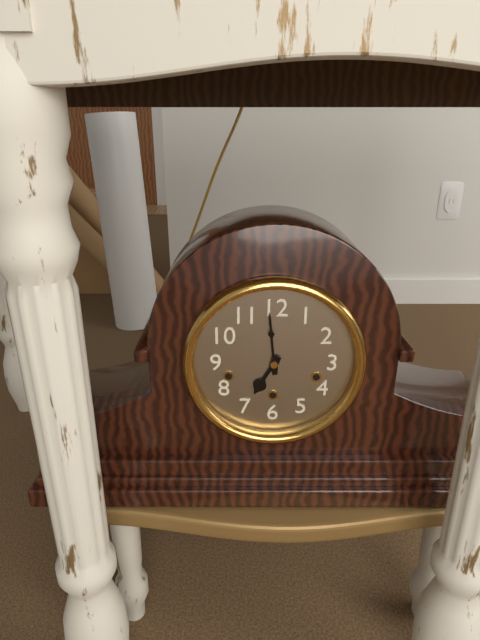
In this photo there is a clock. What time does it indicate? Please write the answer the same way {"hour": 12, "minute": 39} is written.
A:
{"hour": 6, "minute": 59}
